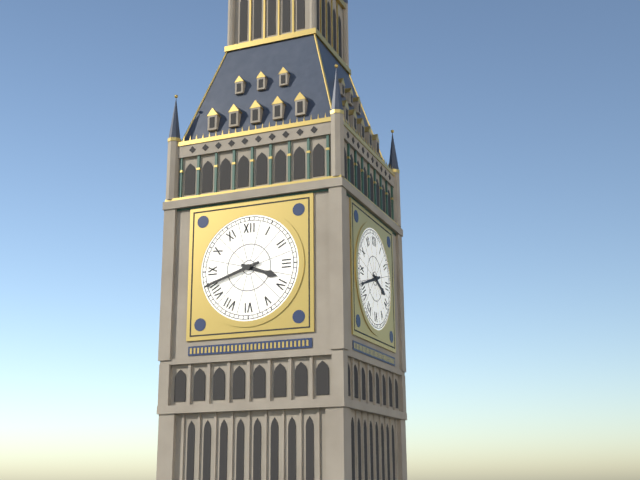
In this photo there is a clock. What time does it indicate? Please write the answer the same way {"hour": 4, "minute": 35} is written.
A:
{"hour": 3, "minute": 42}
